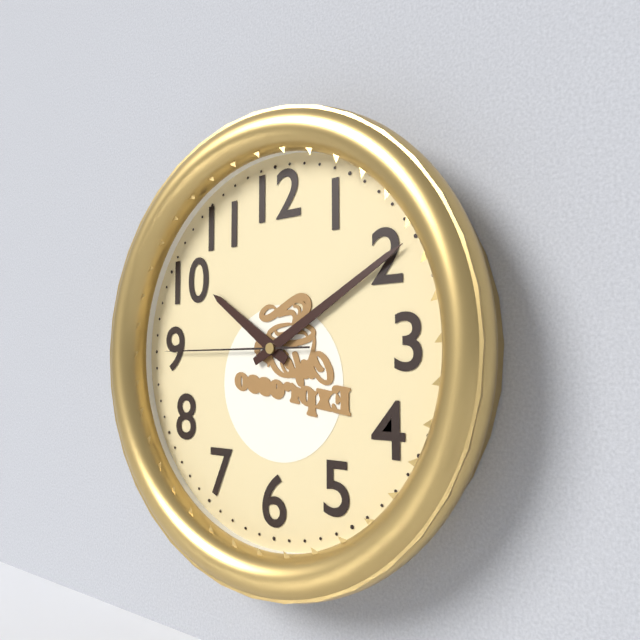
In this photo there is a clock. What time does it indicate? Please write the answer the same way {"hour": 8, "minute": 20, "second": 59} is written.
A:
{"hour": 10, "minute": 10, "second": 45}
